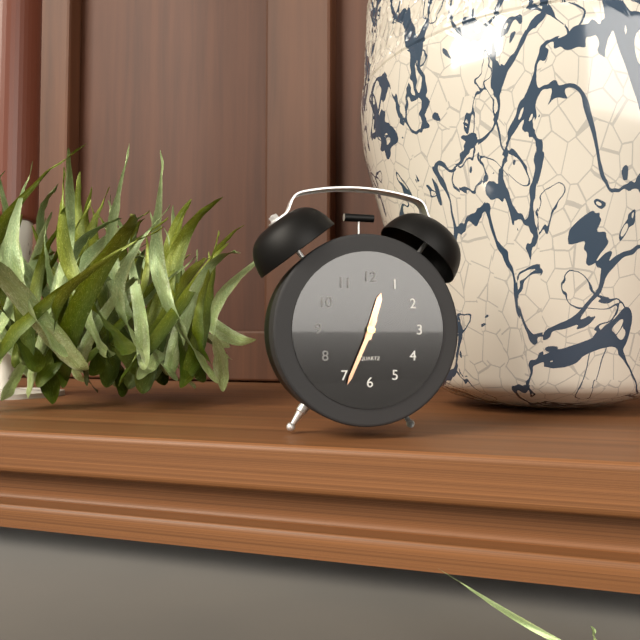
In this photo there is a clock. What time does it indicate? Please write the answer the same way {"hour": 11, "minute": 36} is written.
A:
{"hour": 12, "minute": 34}
